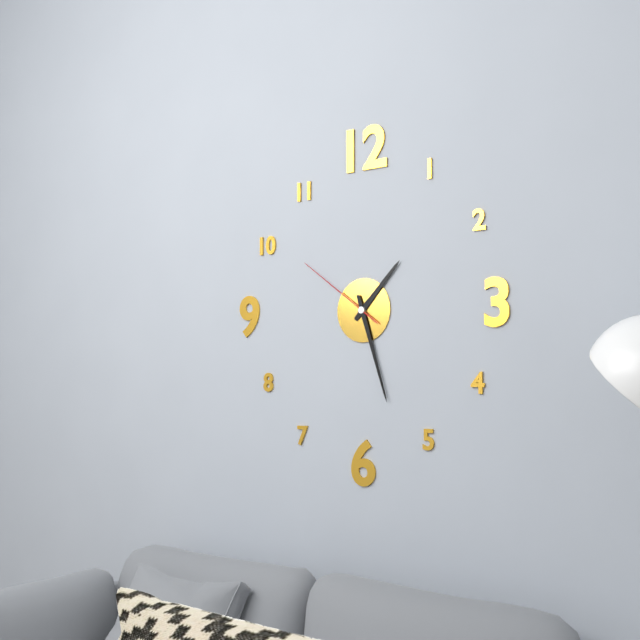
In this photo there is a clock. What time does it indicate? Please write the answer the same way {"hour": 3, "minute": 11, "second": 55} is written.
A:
{"hour": 1, "minute": 27, "second": 51}
